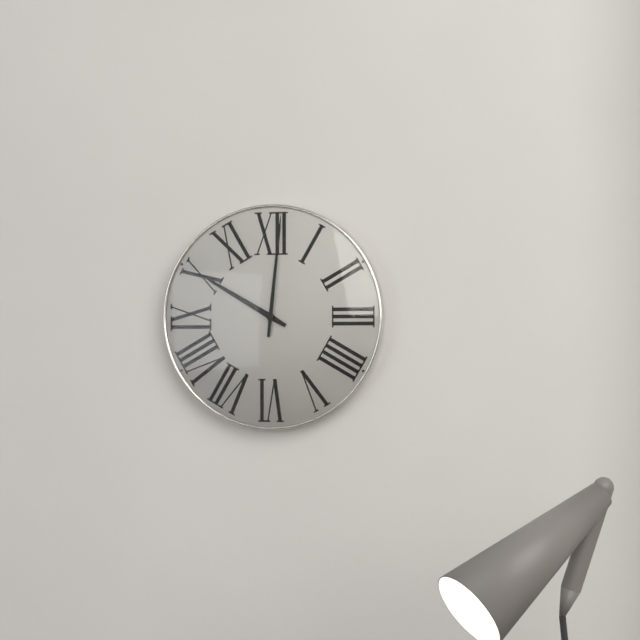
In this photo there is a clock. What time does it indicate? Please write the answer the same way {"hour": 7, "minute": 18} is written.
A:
{"hour": 10, "minute": 1}
